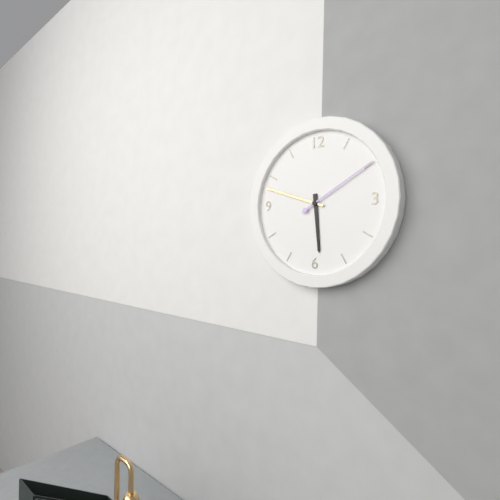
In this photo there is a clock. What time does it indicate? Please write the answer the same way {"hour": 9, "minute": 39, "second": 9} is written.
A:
{"hour": 5, "minute": 48, "second": 10}
